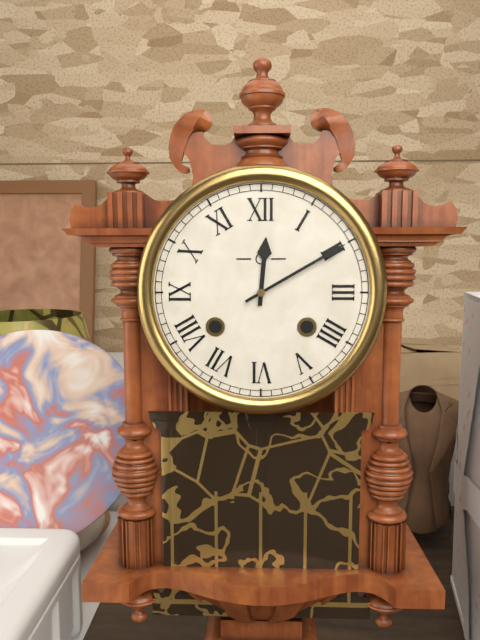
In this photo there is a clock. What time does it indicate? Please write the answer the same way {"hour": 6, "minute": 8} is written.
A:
{"hour": 12, "minute": 10}
